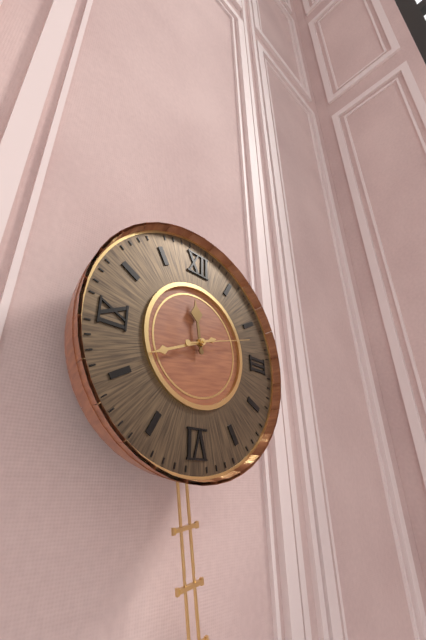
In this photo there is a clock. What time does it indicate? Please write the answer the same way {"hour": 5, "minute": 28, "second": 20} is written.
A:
{"hour": 11, "minute": 41, "second": 12}
